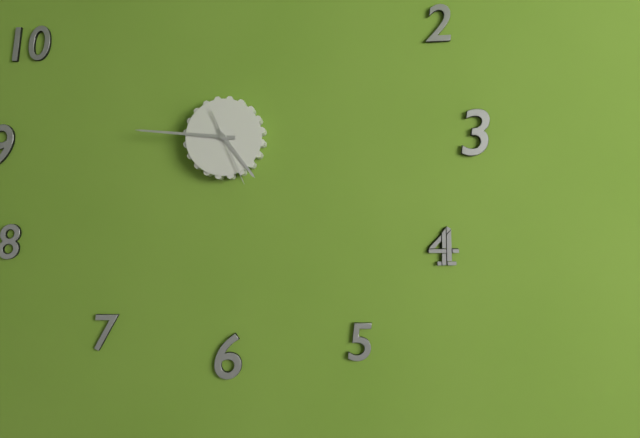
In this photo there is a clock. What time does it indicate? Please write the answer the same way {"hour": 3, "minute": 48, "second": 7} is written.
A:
{"hour": 4, "minute": 46, "second": 26}
